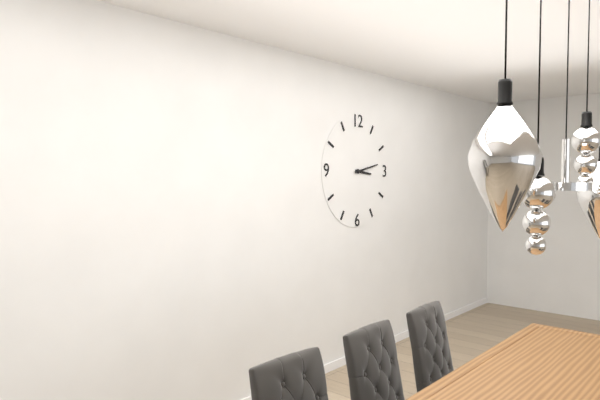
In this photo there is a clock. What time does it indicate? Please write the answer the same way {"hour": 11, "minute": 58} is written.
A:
{"hour": 3, "minute": 13}
